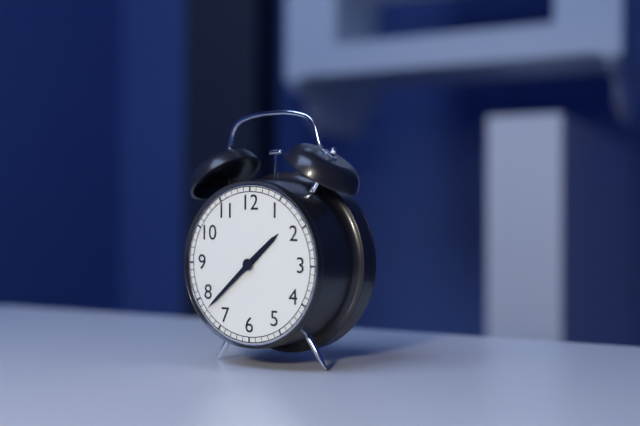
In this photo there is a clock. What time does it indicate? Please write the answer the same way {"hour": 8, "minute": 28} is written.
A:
{"hour": 1, "minute": 38}
